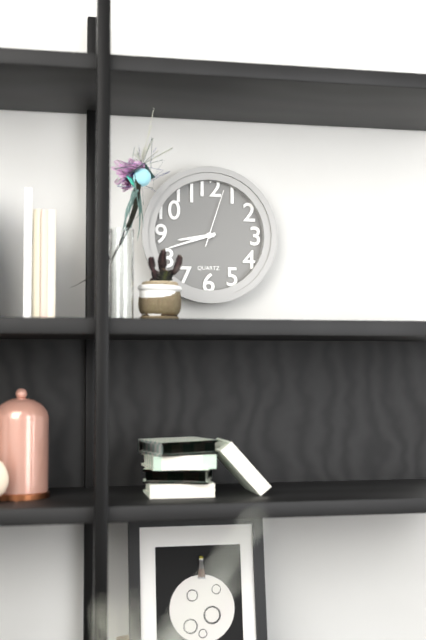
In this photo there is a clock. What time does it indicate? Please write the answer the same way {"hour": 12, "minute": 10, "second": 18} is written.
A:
{"hour": 8, "minute": 42, "second": 3}
